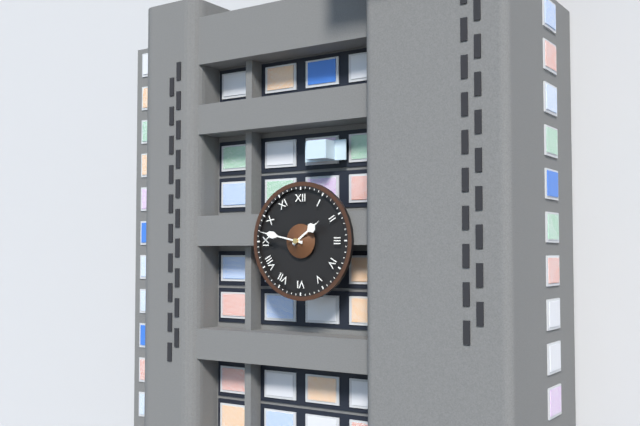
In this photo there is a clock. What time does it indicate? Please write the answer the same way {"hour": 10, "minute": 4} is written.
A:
{"hour": 1, "minute": 47}
